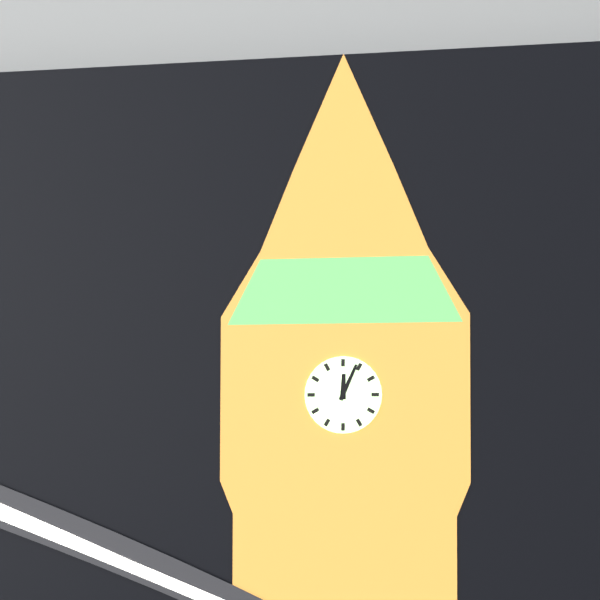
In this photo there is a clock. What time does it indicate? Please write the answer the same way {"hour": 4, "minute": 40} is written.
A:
{"hour": 12, "minute": 4}
